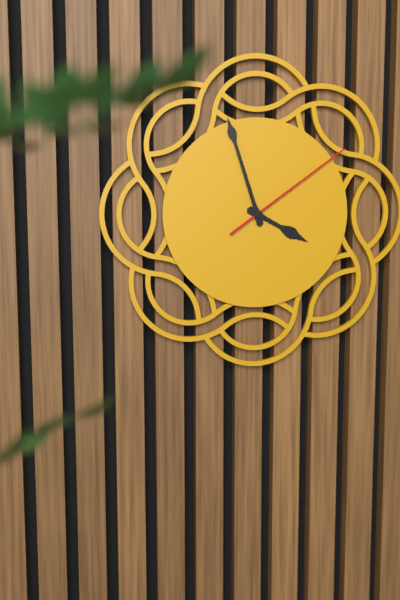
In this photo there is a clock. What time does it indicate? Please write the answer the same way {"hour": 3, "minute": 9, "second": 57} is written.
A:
{"hour": 3, "minute": 57, "second": 9}
